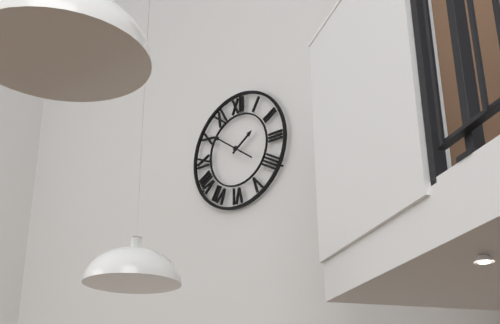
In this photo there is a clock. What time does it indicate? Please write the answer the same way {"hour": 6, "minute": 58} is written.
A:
{"hour": 1, "minute": 51}
